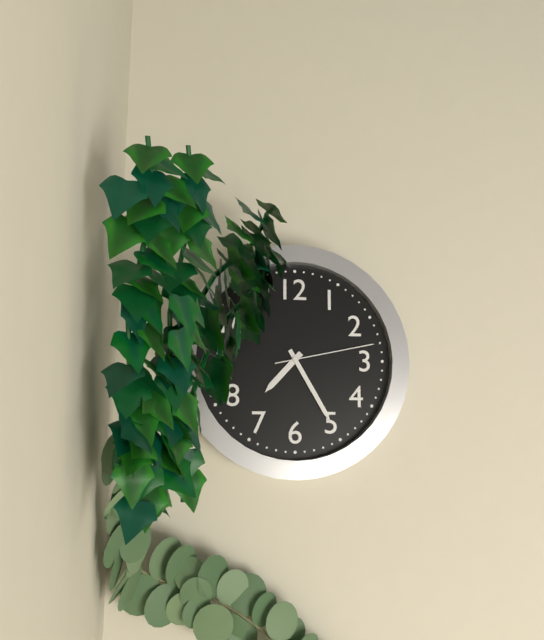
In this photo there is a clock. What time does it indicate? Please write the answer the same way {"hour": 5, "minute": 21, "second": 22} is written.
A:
{"hour": 7, "minute": 25, "second": 13}
